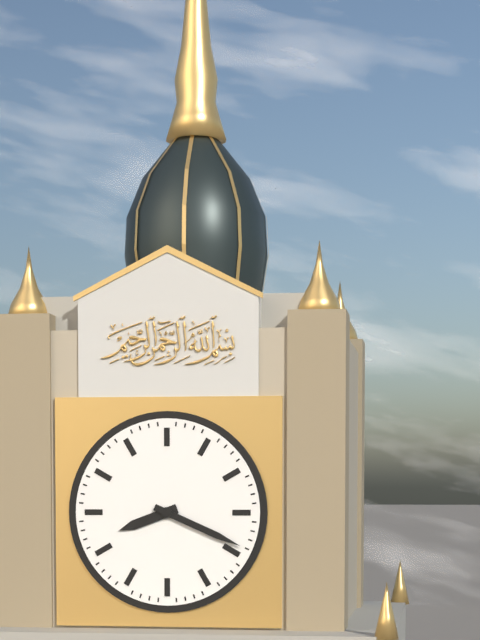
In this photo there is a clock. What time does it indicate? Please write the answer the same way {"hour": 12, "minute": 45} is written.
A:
{"hour": 8, "minute": 19}
